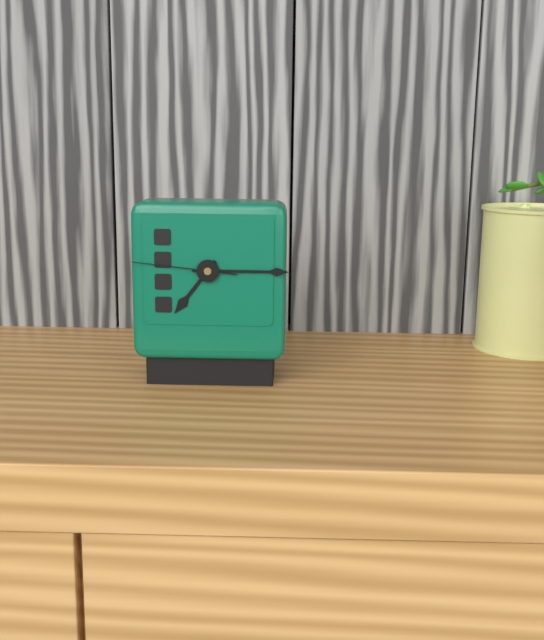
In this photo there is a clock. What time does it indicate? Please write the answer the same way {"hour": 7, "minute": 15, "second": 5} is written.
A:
{"hour": 7, "minute": 15, "second": 46}
